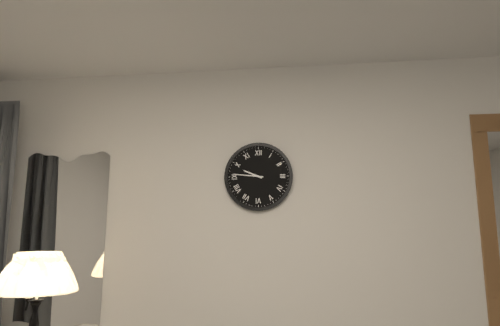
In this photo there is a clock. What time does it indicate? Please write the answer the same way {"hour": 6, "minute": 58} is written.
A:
{"hour": 9, "minute": 46}
